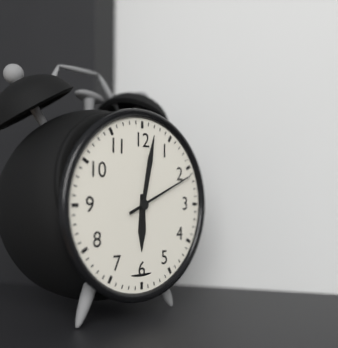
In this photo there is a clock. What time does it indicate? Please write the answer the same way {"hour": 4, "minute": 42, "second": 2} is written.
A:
{"hour": 6, "minute": 2, "second": 11}
